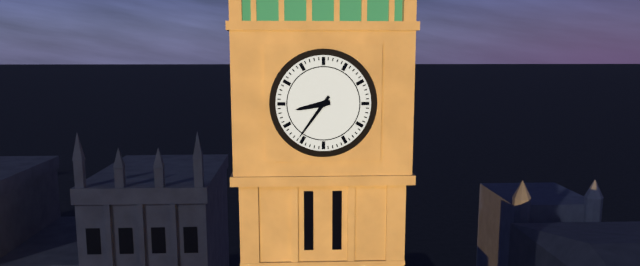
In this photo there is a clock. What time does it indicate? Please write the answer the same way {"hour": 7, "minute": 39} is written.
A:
{"hour": 8, "minute": 36}
